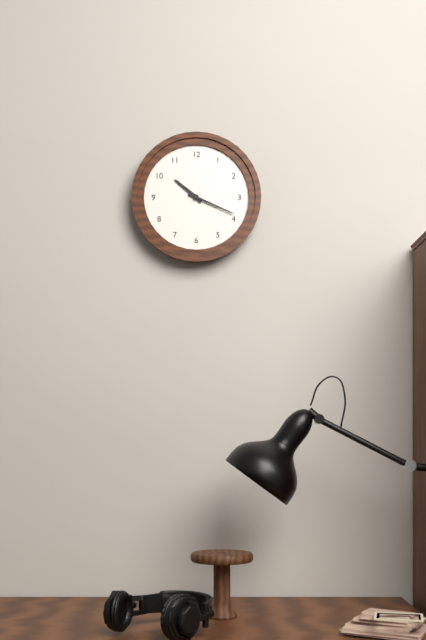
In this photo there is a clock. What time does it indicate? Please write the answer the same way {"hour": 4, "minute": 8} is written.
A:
{"hour": 10, "minute": 19}
